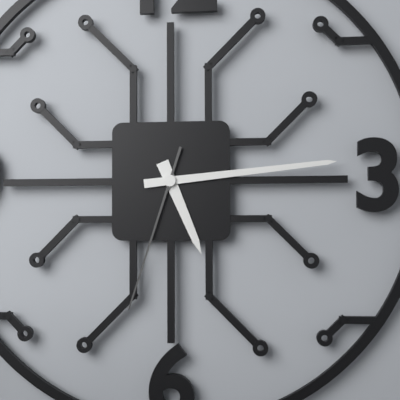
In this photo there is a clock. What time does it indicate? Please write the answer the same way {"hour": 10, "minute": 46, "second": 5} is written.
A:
{"hour": 5, "minute": 14, "second": 33}
